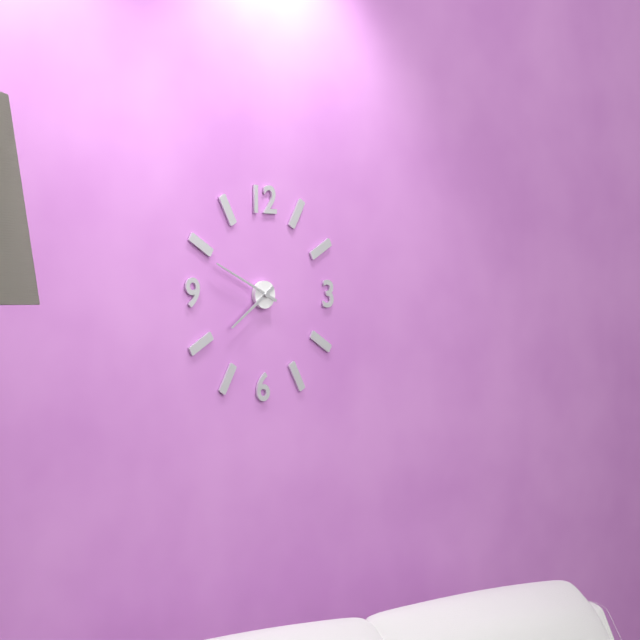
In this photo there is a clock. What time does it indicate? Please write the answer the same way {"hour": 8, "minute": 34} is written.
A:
{"hour": 7, "minute": 49}
